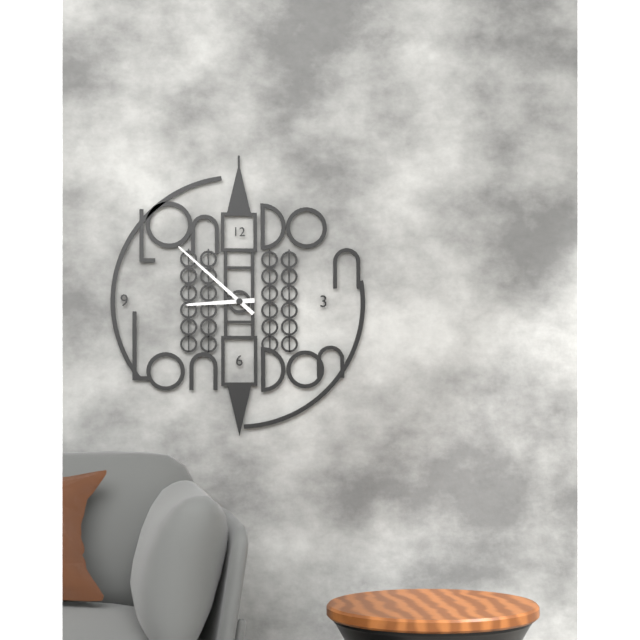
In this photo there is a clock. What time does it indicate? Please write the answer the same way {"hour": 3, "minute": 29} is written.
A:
{"hour": 8, "minute": 52}
